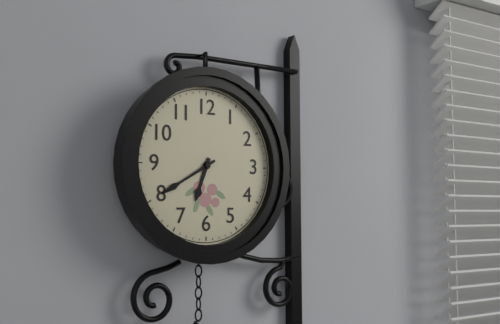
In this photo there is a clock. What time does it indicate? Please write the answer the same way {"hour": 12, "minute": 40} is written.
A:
{"hour": 6, "minute": 40}
